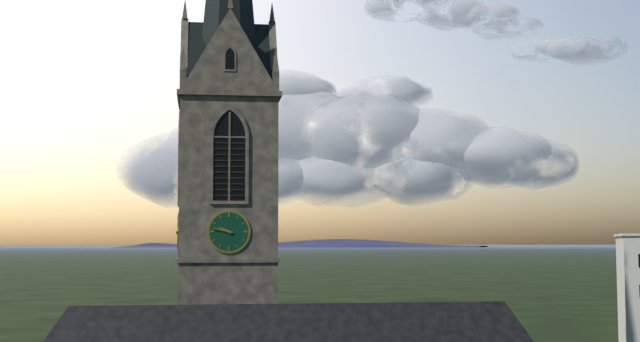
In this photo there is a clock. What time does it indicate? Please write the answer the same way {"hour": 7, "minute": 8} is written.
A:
{"hour": 9, "minute": 47}
